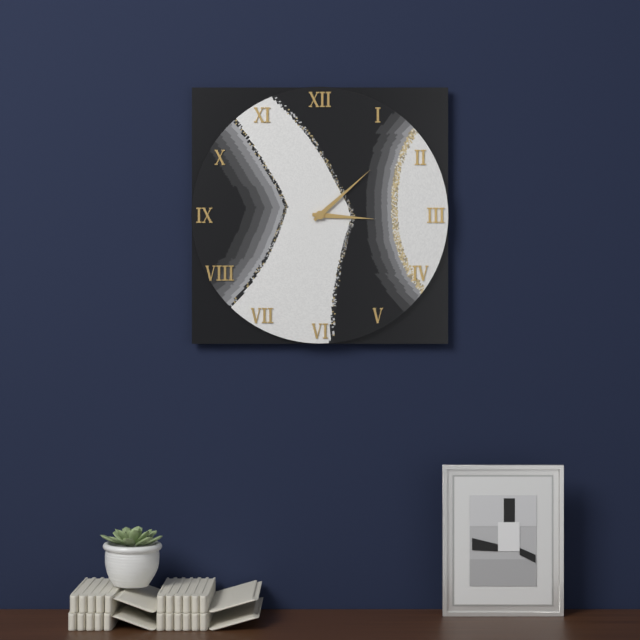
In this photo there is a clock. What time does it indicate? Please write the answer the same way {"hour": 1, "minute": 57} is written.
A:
{"hour": 3, "minute": 8}
